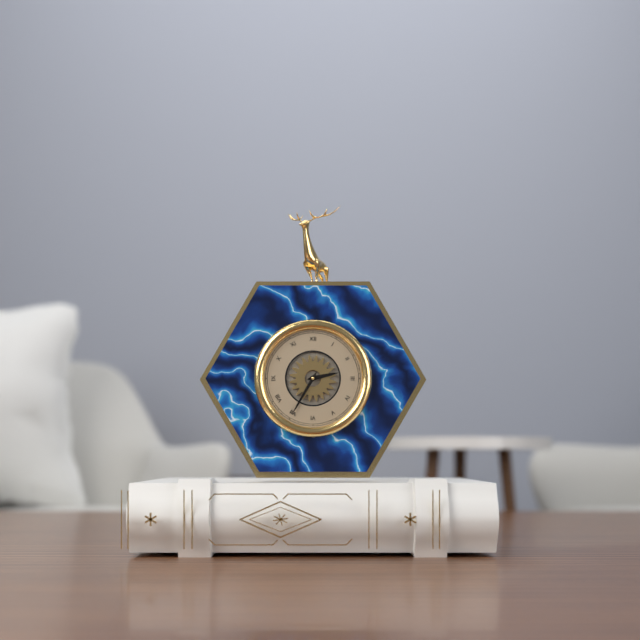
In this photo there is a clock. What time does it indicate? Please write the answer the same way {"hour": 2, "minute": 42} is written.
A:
{"hour": 2, "minute": 35}
